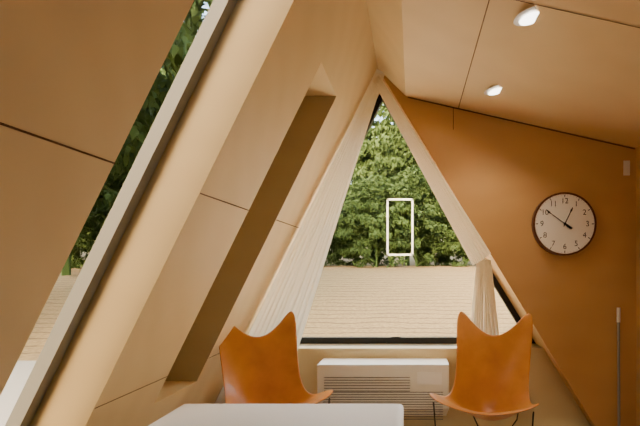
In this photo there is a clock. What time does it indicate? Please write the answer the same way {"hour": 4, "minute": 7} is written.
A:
{"hour": 12, "minute": 51}
